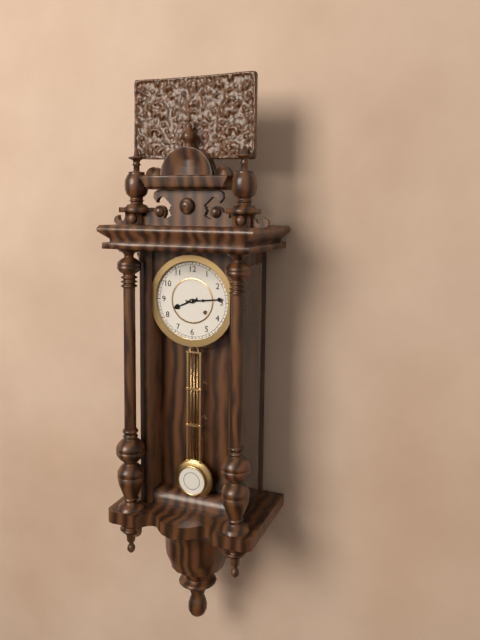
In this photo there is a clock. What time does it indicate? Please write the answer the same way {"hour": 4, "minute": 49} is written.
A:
{"hour": 8, "minute": 14}
